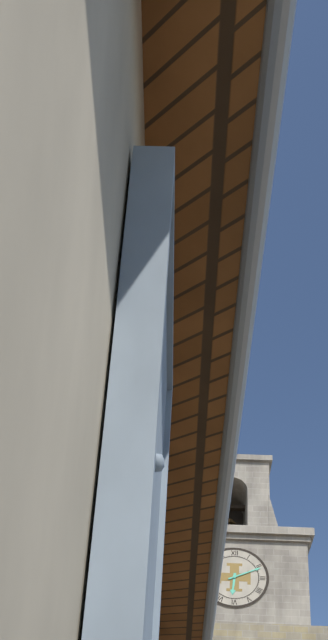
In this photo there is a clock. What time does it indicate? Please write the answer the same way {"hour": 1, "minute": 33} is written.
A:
{"hour": 6, "minute": 11}
